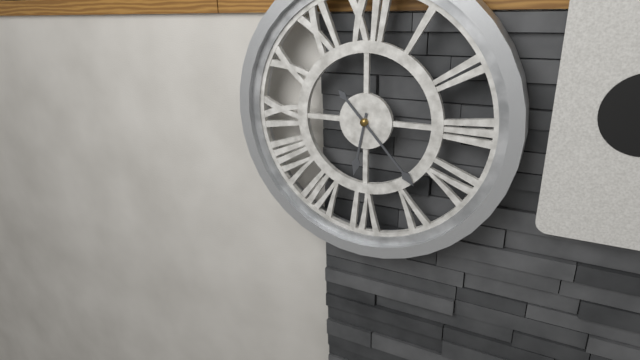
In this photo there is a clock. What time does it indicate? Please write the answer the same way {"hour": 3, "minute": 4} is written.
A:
{"hour": 6, "minute": 23}
